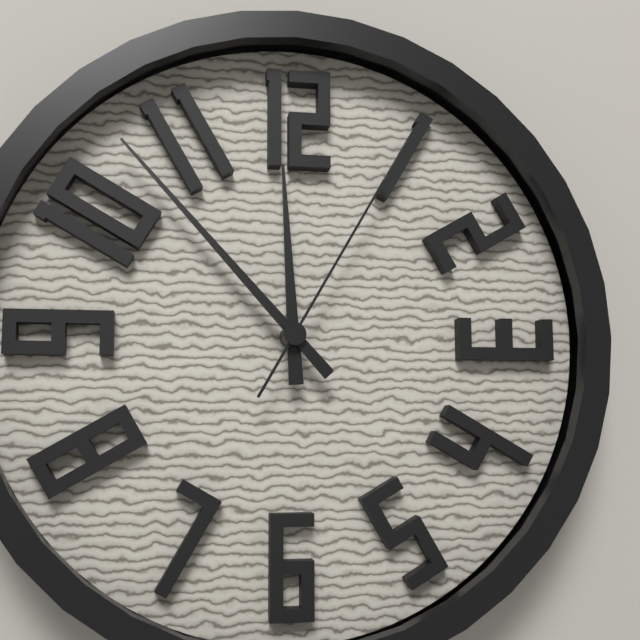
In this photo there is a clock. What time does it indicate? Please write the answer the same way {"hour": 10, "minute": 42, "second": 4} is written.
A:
{"hour": 11, "minute": 53, "second": 5}
